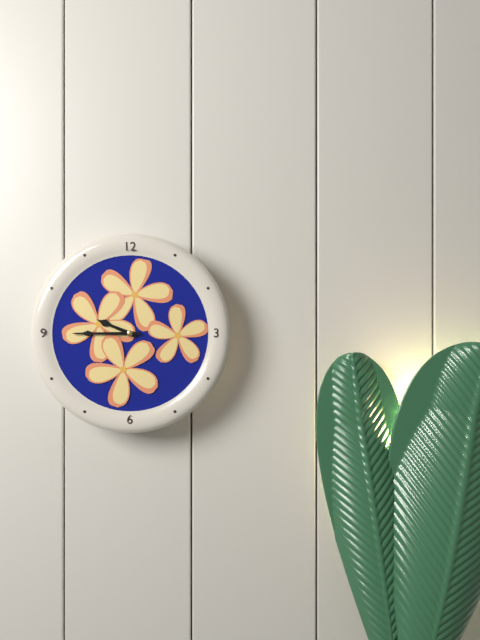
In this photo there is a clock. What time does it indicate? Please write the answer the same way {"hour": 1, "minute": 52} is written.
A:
{"hour": 9, "minute": 45}
